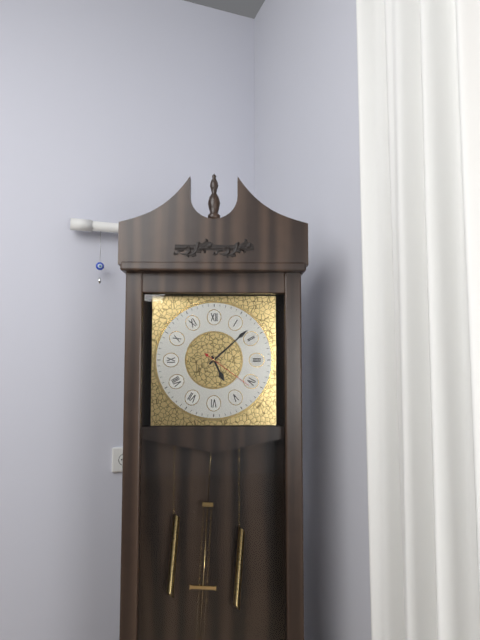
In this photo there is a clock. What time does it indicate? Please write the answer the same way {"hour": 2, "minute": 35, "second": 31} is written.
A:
{"hour": 5, "minute": 8, "second": 21}
